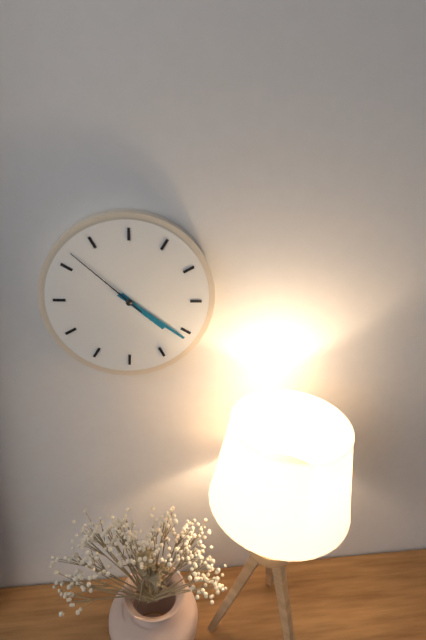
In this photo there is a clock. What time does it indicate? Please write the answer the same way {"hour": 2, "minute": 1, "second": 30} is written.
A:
{"hour": 4, "minute": 21, "second": 52}
